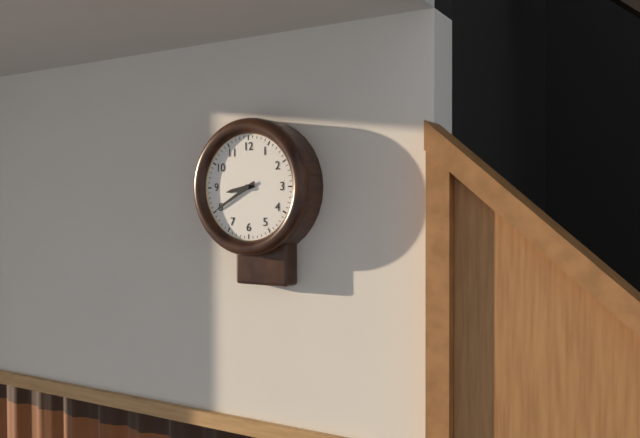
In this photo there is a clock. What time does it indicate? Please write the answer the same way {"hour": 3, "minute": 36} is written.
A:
{"hour": 8, "minute": 40}
